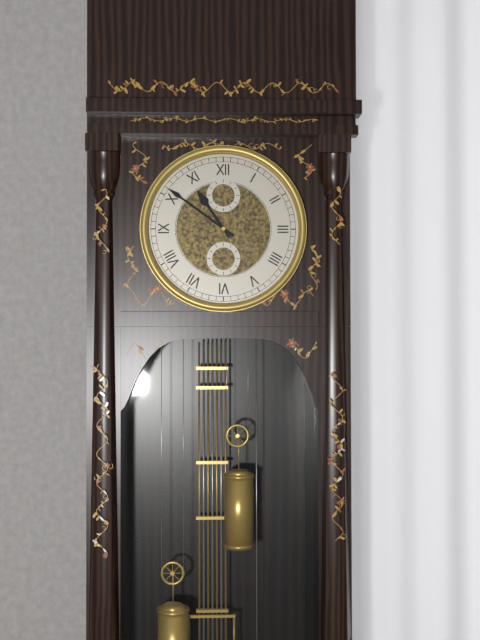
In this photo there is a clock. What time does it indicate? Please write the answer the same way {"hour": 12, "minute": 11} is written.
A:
{"hour": 10, "minute": 51}
